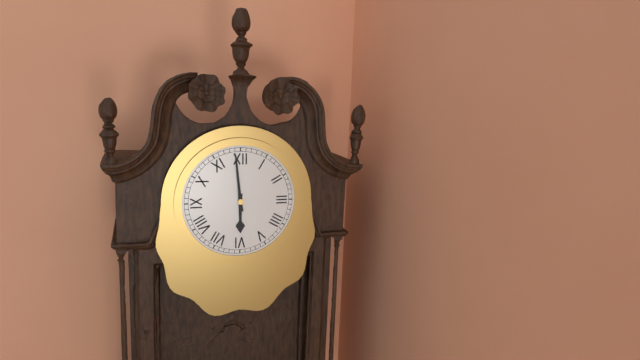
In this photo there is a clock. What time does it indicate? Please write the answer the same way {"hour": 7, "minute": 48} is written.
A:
{"hour": 5, "minute": 59}
